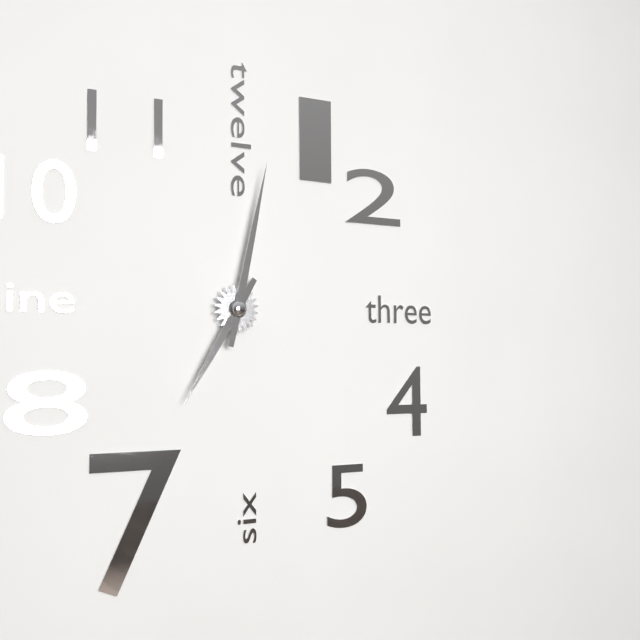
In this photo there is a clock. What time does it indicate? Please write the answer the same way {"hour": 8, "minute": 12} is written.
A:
{"hour": 7, "minute": 2}
